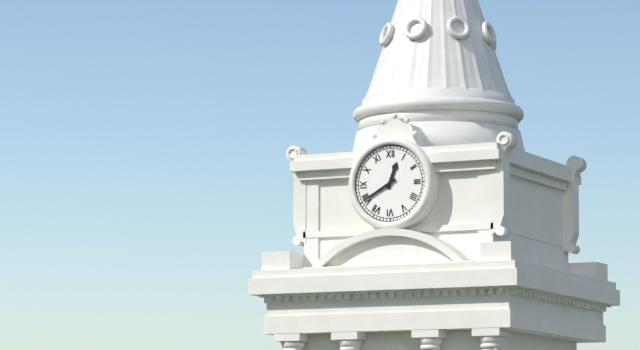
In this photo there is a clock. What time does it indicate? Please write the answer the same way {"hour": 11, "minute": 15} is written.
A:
{"hour": 12, "minute": 40}
